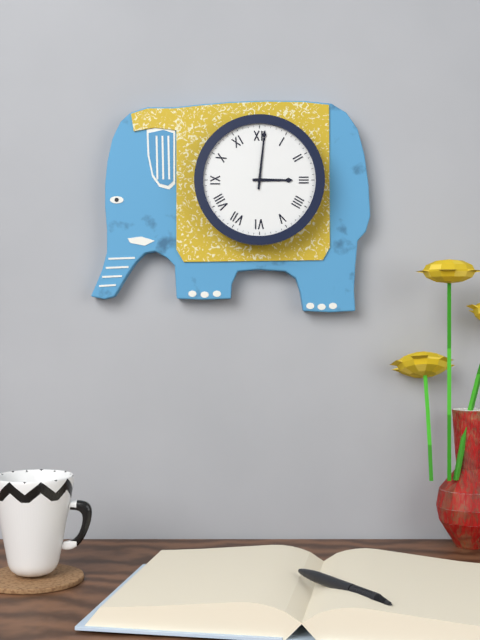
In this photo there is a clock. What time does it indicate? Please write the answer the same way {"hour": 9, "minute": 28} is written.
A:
{"hour": 3, "minute": 1}
